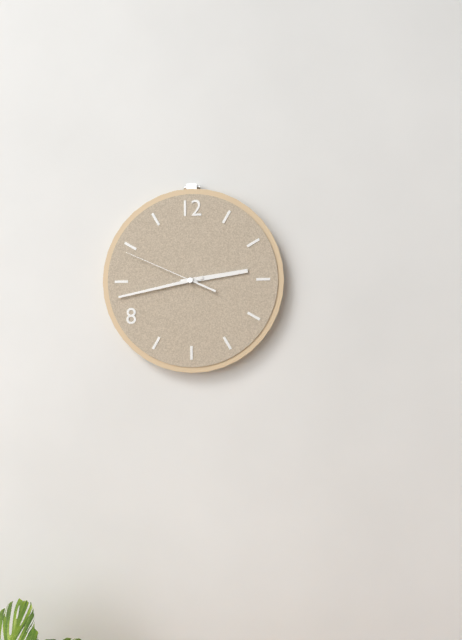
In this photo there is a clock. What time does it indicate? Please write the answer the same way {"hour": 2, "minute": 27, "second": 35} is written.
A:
{"hour": 2, "minute": 43, "second": 49}
